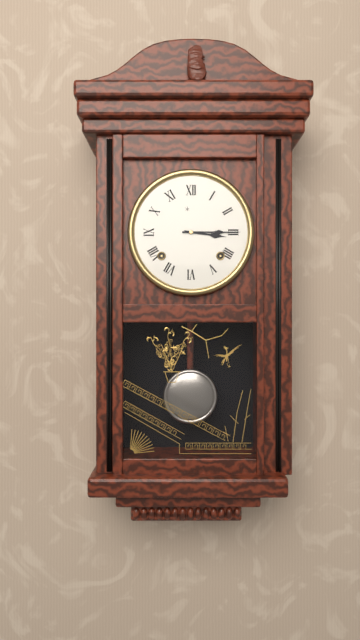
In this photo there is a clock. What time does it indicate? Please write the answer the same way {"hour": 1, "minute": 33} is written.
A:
{"hour": 3, "minute": 15}
